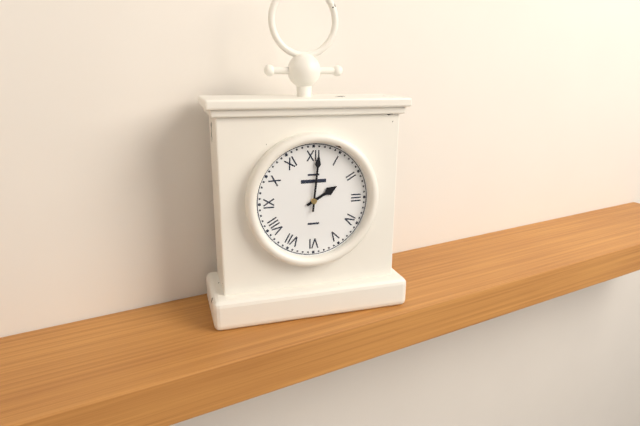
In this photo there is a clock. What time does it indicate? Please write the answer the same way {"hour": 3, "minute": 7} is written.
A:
{"hour": 2, "minute": 1}
